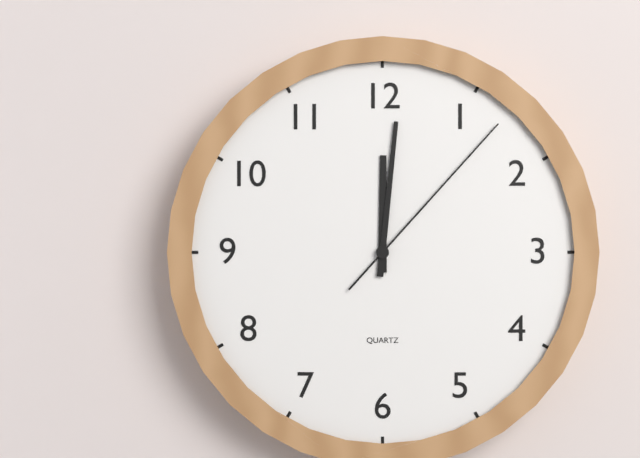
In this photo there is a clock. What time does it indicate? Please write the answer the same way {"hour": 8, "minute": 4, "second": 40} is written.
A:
{"hour": 12, "minute": 1, "second": 7}
